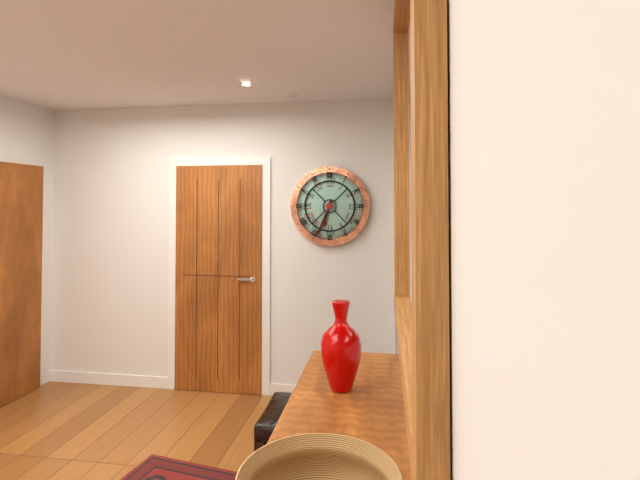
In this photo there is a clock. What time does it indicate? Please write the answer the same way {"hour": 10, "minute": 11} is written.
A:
{"hour": 6, "minute": 34}
